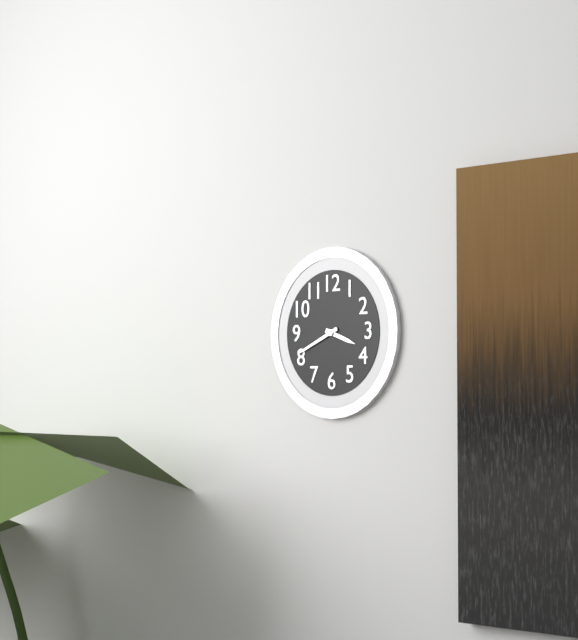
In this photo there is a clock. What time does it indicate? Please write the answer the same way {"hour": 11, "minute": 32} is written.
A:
{"hour": 3, "minute": 41}
